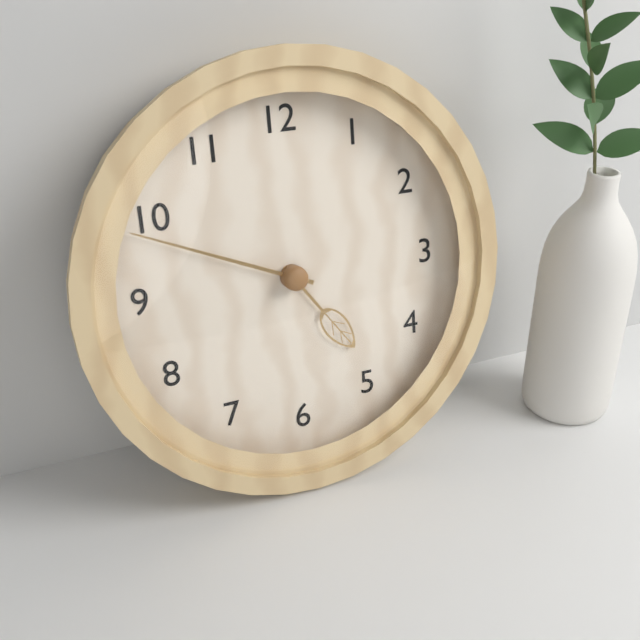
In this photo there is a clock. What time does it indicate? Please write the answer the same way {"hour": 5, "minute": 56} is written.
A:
{"hour": 4, "minute": 49}
